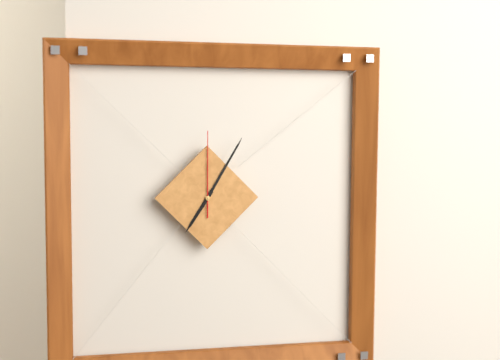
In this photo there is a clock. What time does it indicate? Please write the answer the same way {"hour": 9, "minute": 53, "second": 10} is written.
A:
{"hour": 7, "minute": 5, "second": 0}
